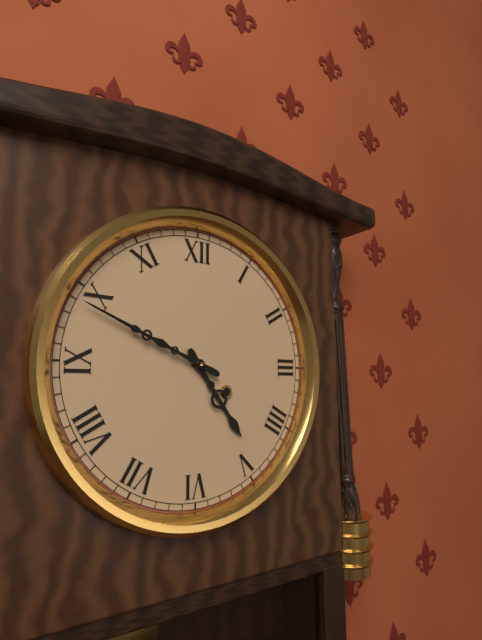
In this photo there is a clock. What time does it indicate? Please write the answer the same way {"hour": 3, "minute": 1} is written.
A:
{"hour": 4, "minute": 49}
